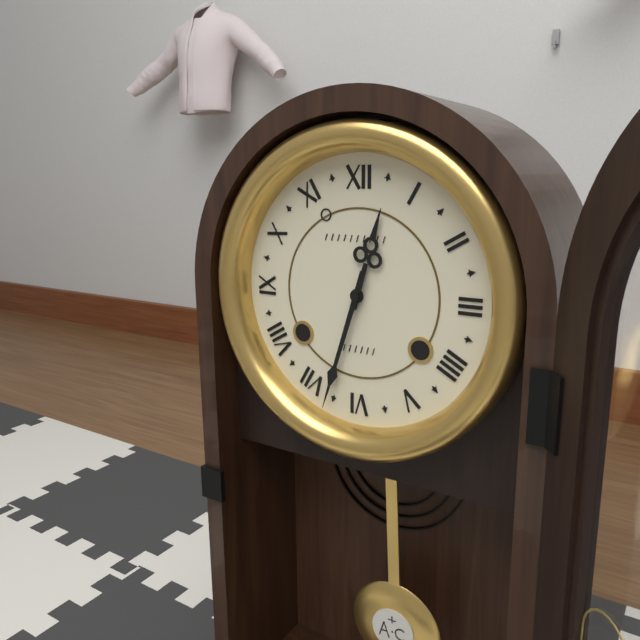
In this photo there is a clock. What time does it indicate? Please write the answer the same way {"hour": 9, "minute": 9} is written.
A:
{"hour": 12, "minute": 33}
